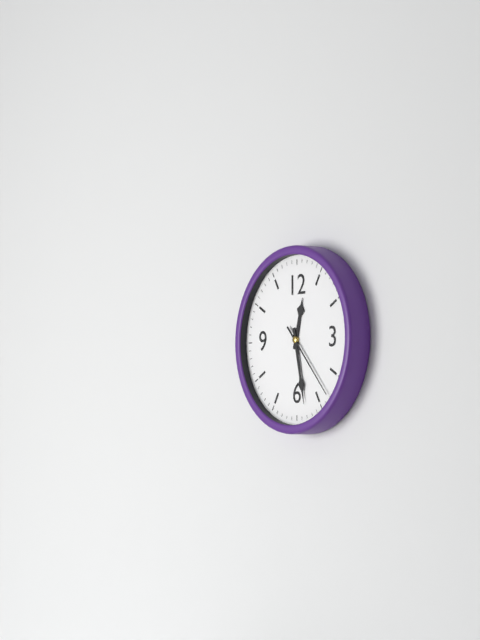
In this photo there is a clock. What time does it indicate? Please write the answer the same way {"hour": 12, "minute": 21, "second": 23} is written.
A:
{"hour": 12, "minute": 28, "second": 23}
